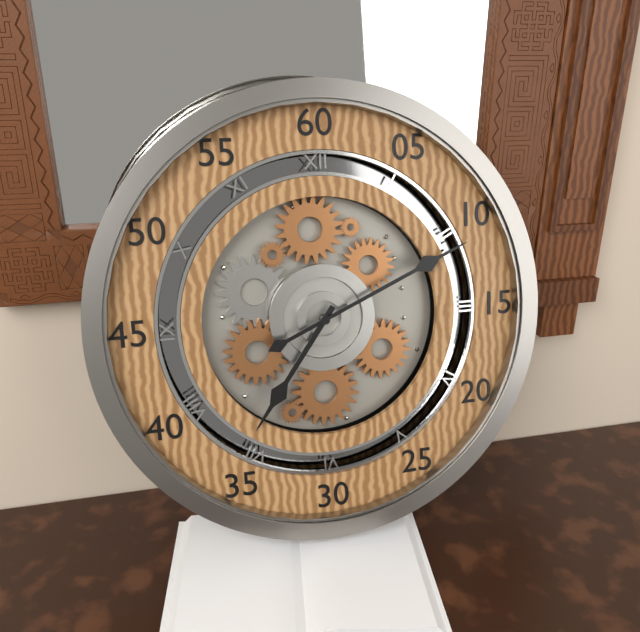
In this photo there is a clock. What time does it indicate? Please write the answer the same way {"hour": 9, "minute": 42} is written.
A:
{"hour": 7, "minute": 11}
